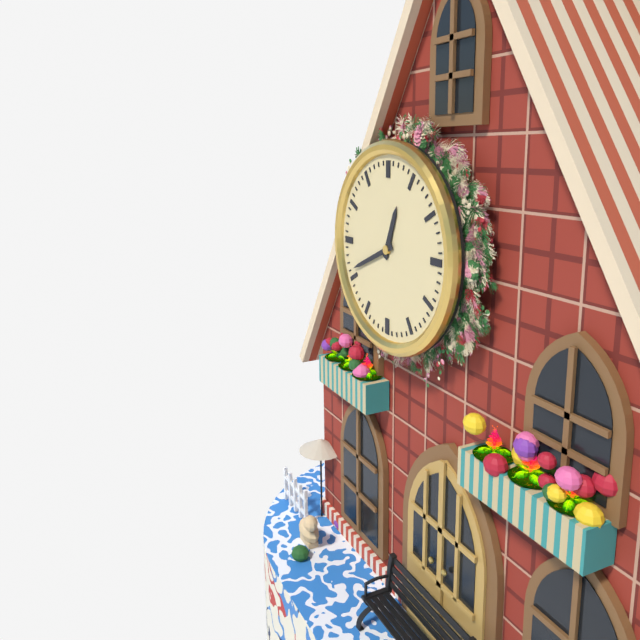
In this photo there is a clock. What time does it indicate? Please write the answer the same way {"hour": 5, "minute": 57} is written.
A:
{"hour": 12, "minute": 41}
